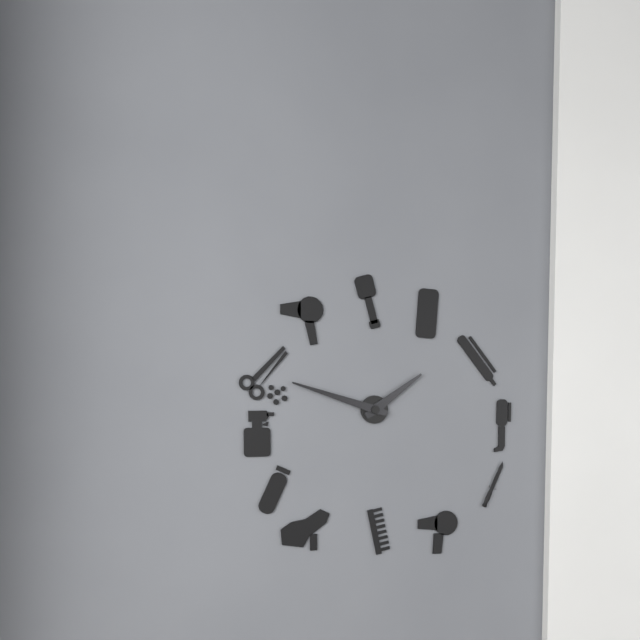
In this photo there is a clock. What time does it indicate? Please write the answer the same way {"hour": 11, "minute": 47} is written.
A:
{"hour": 1, "minute": 48}
